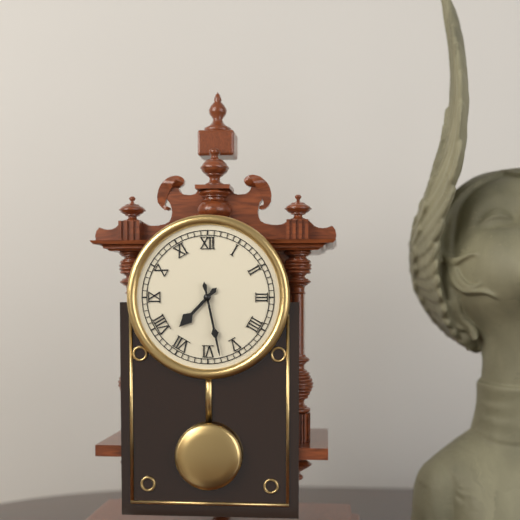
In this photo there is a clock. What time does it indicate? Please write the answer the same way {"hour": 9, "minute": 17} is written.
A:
{"hour": 7, "minute": 28}
